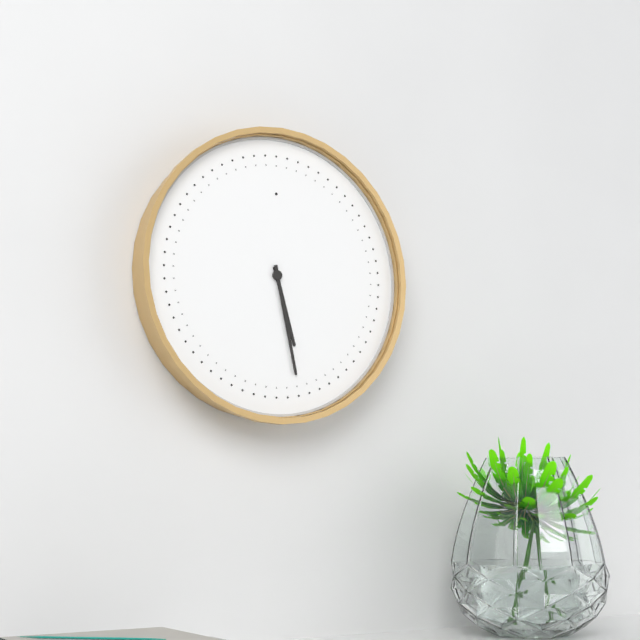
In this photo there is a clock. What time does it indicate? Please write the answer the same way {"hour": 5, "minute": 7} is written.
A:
{"hour": 5, "minute": 28}
